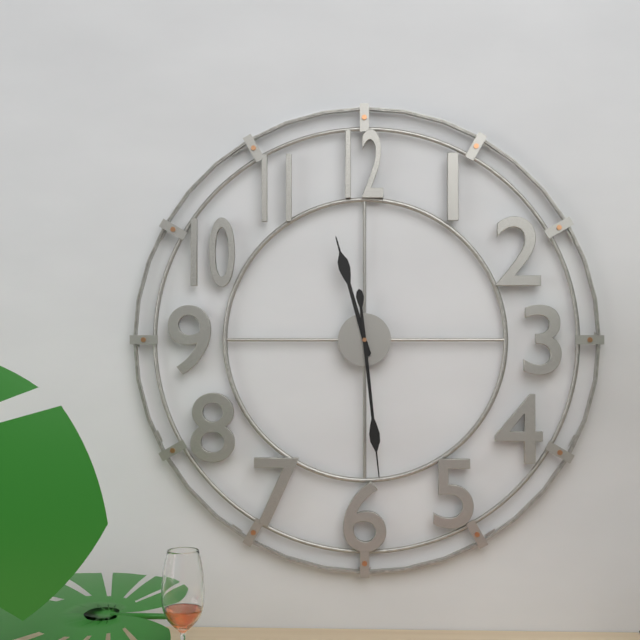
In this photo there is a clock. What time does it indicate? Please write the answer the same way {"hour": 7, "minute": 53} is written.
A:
{"hour": 11, "minute": 29}
